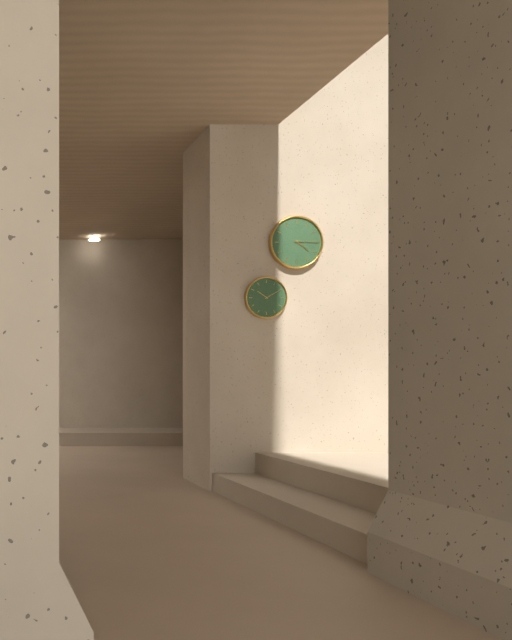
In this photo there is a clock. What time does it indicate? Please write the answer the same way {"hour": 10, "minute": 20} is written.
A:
{"hour": 4, "minute": 15}
